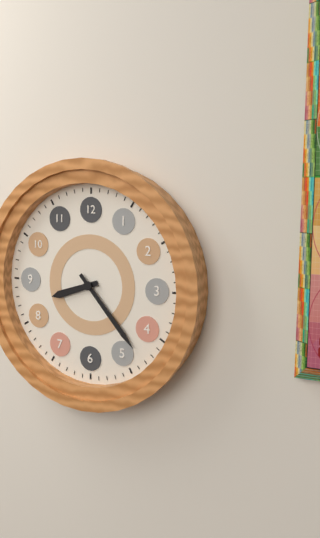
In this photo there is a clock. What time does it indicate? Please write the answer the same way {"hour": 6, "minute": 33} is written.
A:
{"hour": 8, "minute": 23}
